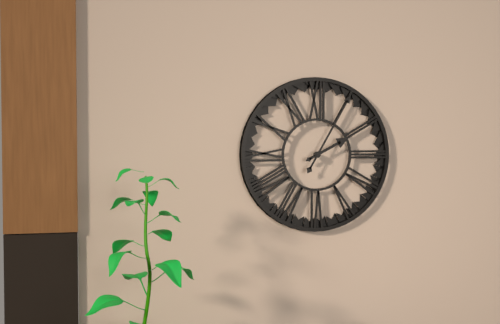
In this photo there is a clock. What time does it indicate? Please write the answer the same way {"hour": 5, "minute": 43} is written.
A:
{"hour": 2, "minute": 5}
